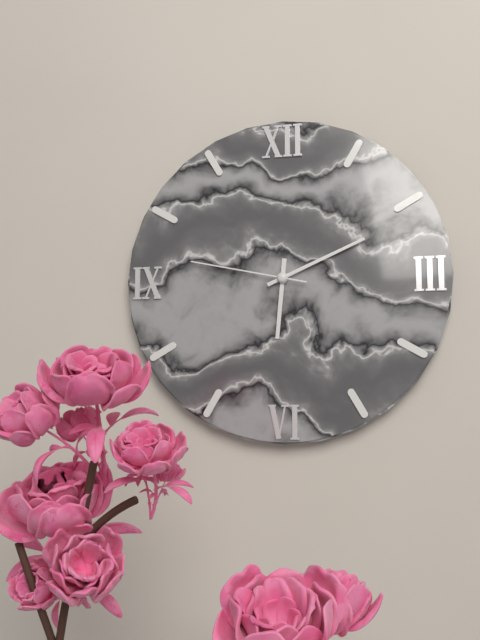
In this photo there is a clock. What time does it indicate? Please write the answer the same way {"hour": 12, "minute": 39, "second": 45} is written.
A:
{"hour": 6, "minute": 11, "second": 47}
